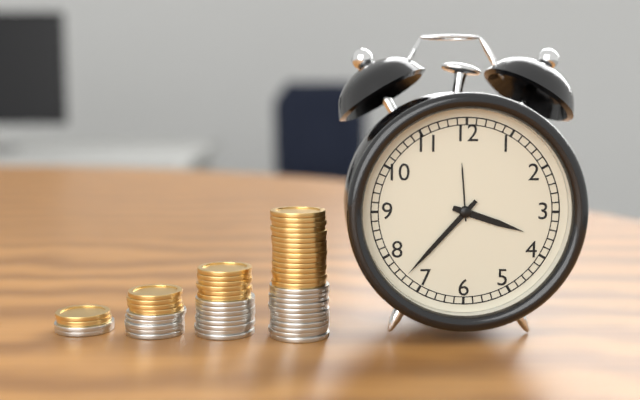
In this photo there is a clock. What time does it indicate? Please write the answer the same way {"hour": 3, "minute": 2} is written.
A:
{"hour": 3, "minute": 37}
